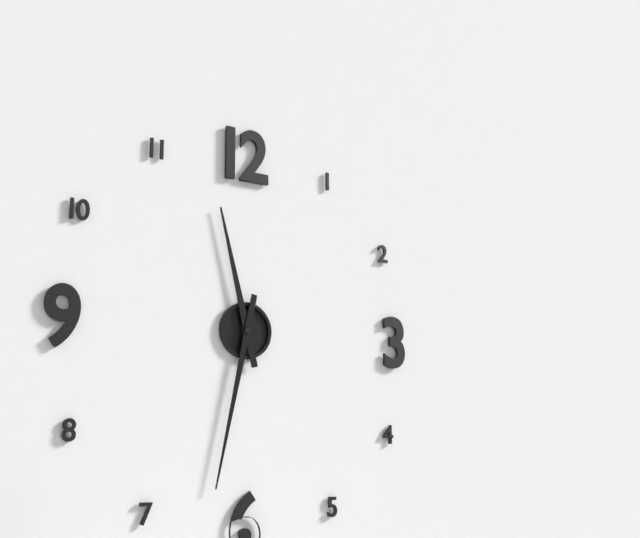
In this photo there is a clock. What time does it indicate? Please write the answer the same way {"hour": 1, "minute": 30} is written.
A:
{"hour": 11, "minute": 32}
